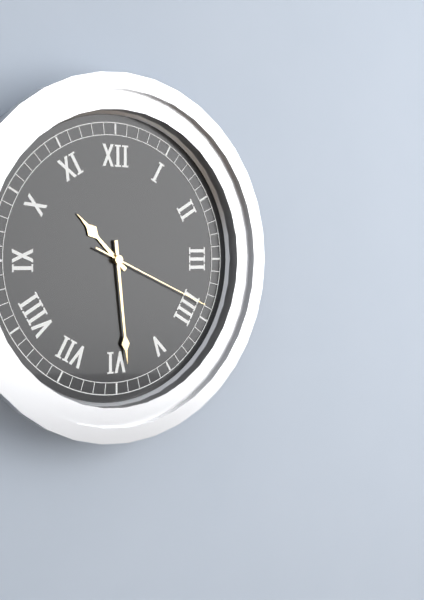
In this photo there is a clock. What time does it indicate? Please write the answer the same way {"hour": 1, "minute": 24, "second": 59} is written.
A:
{"hour": 10, "minute": 29, "second": 19}
